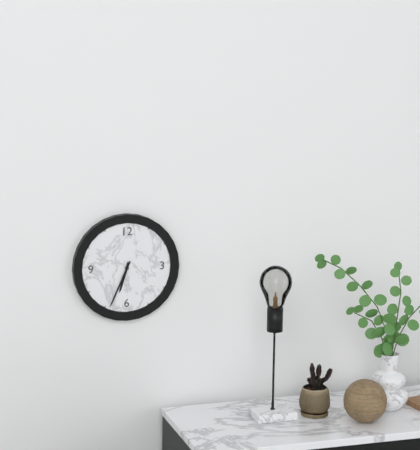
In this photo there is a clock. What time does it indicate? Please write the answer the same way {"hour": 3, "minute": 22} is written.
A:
{"hour": 6, "minute": 34}
